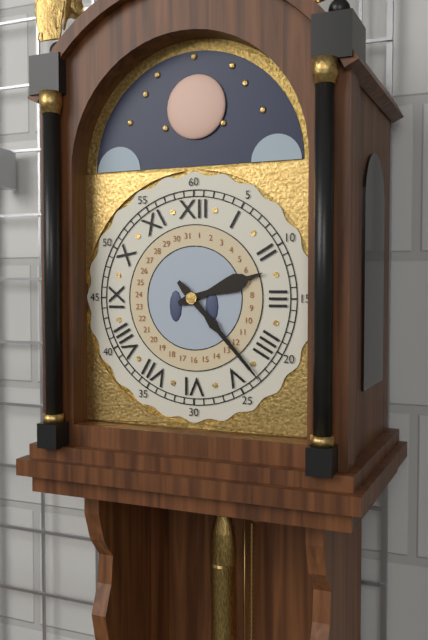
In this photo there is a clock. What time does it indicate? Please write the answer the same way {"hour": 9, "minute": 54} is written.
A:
{"hour": 2, "minute": 23}
